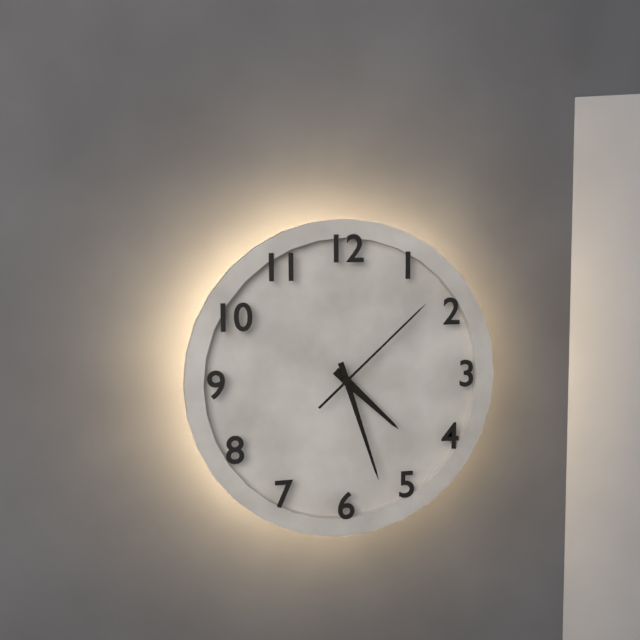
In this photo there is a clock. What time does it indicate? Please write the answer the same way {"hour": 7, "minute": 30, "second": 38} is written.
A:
{"hour": 4, "minute": 27, "second": 8}
